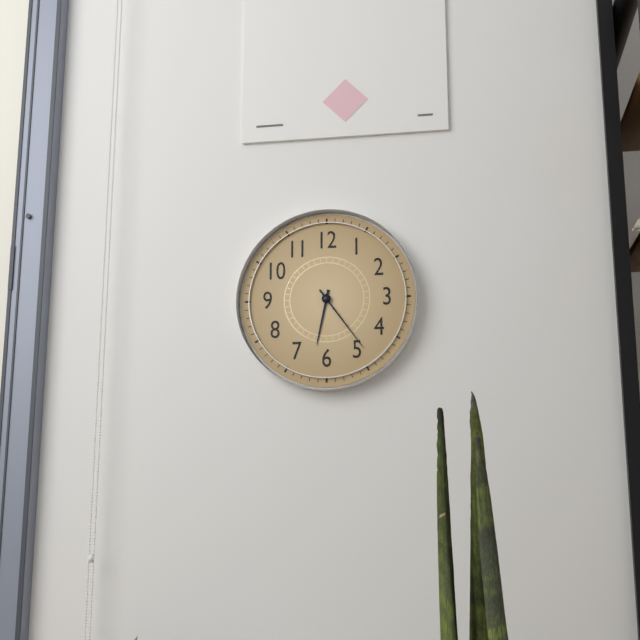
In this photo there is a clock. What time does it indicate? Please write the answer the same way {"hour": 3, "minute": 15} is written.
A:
{"hour": 6, "minute": 24}
